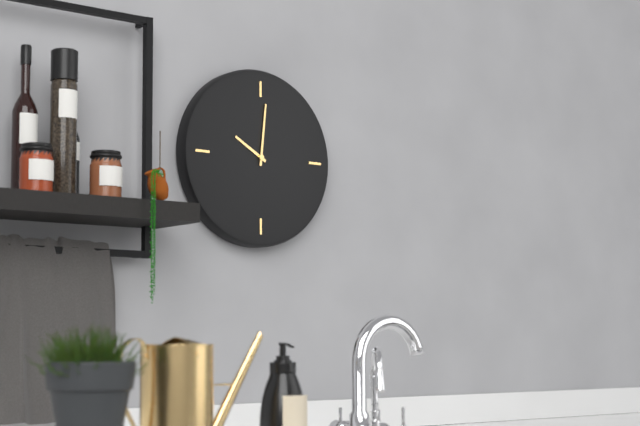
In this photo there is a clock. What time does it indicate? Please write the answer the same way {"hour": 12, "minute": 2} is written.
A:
{"hour": 10, "minute": 1}
